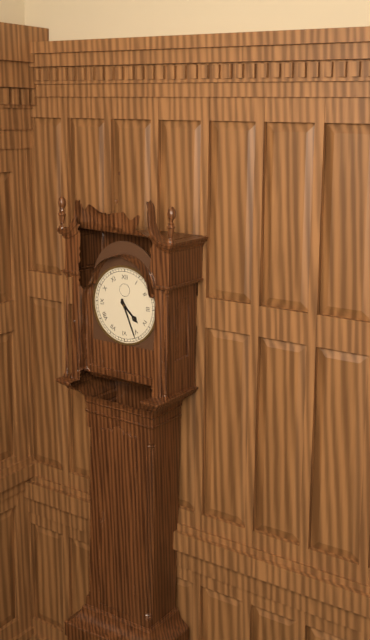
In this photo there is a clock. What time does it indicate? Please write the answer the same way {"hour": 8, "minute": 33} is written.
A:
{"hour": 4, "minute": 26}
